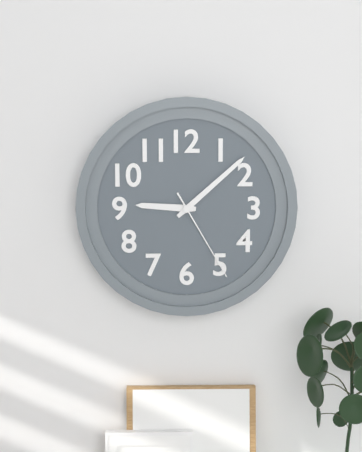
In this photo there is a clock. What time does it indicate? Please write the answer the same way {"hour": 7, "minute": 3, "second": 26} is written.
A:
{"hour": 9, "minute": 8, "second": 25}
